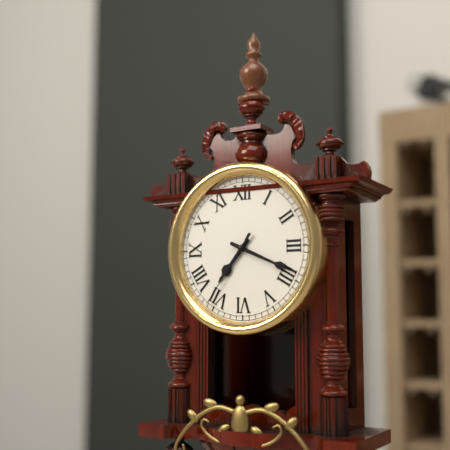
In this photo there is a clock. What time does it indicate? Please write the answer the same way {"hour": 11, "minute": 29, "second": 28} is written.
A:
{"hour": 7, "minute": 19, "second": 36}
